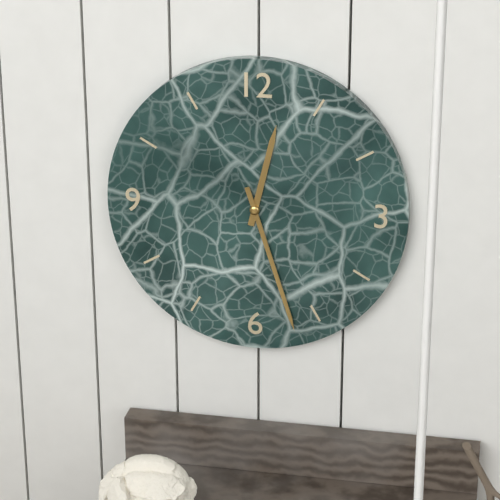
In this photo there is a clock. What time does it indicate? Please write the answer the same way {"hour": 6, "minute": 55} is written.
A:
{"hour": 12, "minute": 27}
